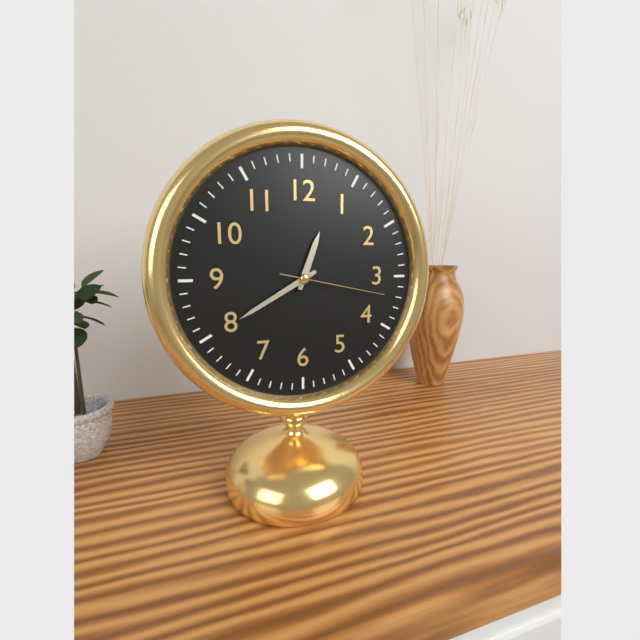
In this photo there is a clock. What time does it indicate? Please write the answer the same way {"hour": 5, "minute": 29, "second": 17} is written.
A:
{"hour": 12, "minute": 40, "second": 17}
